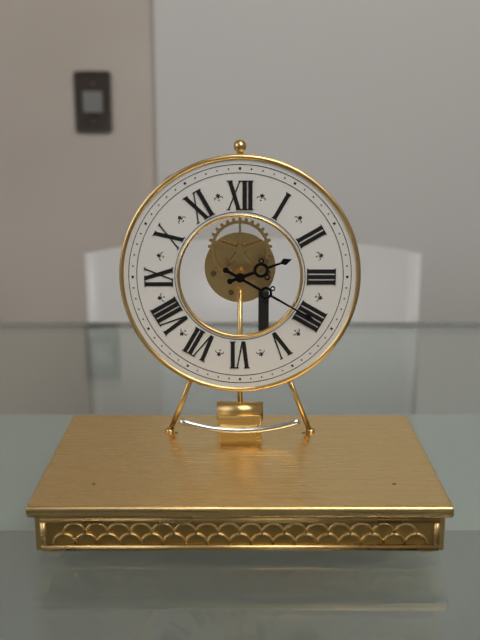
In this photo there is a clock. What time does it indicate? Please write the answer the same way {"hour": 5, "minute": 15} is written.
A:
{"hour": 2, "minute": 20}
